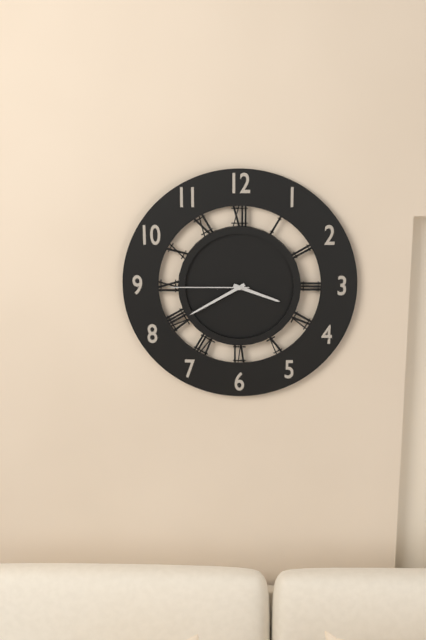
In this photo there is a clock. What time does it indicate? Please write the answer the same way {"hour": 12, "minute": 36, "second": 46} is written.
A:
{"hour": 3, "minute": 40, "second": 45}
